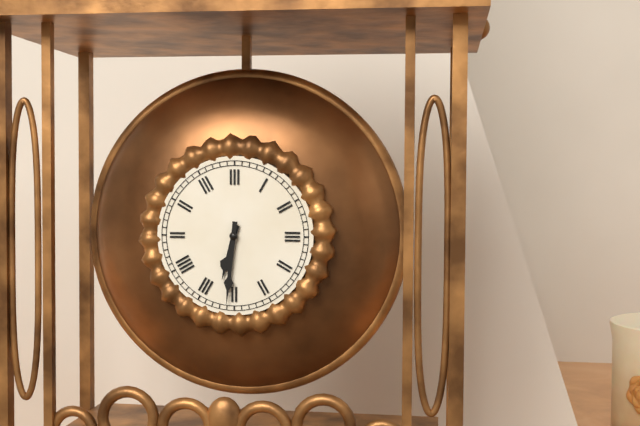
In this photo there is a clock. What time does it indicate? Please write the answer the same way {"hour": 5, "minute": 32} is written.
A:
{"hour": 6, "minute": 31}
